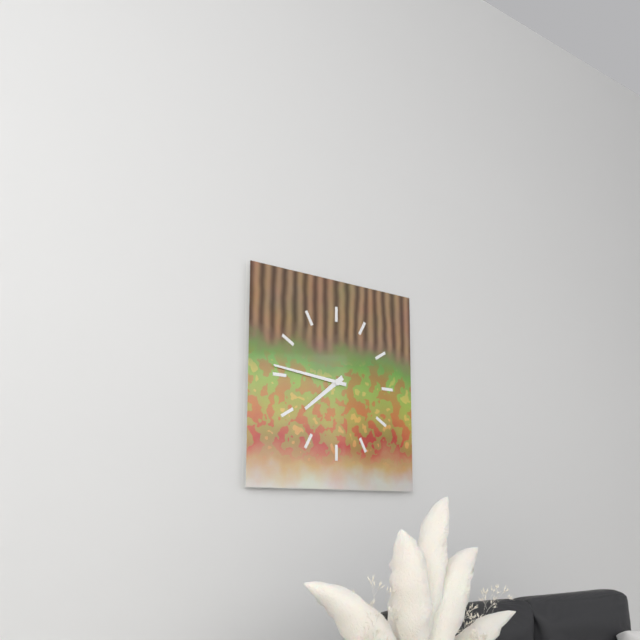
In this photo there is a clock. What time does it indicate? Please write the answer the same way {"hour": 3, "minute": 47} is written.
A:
{"hour": 7, "minute": 46}
